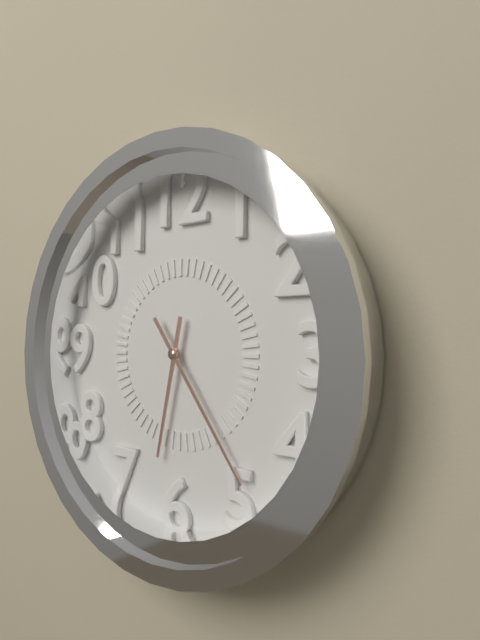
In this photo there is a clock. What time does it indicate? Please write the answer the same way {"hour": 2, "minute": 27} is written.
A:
{"hour": 6, "minute": 24}
